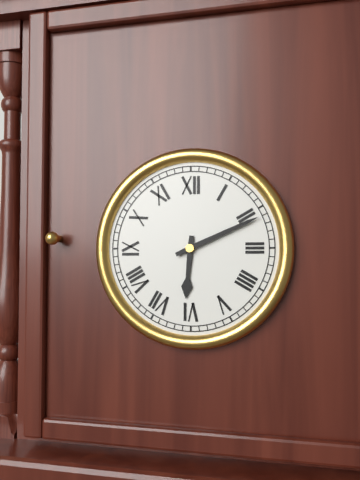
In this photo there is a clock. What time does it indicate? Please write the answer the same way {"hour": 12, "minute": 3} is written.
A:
{"hour": 6, "minute": 11}
